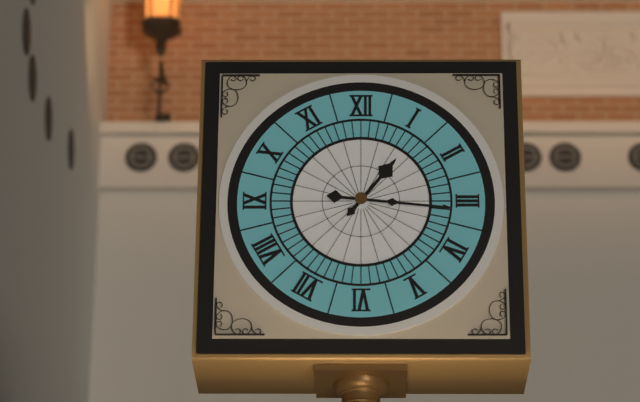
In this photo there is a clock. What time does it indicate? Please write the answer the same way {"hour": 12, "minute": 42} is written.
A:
{"hour": 1, "minute": 16}
